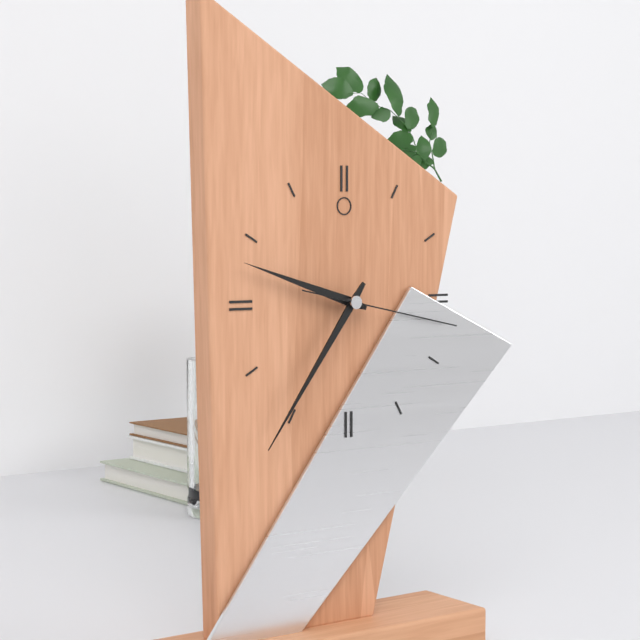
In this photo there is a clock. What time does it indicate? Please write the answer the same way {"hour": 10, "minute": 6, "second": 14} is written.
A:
{"hour": 9, "minute": 36, "second": 17}
